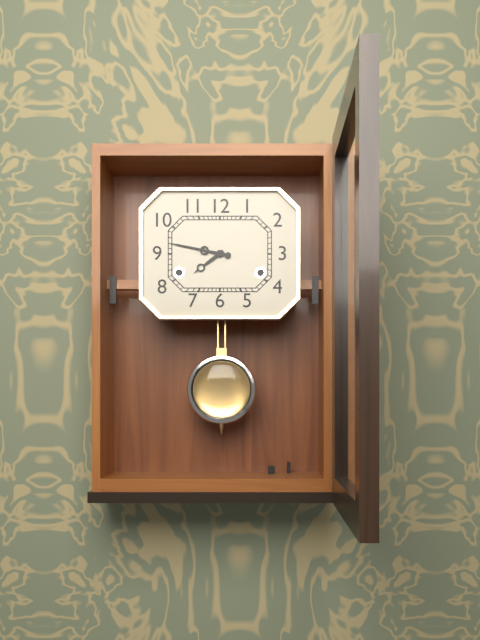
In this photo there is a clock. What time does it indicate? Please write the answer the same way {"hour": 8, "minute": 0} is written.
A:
{"hour": 7, "minute": 47}
